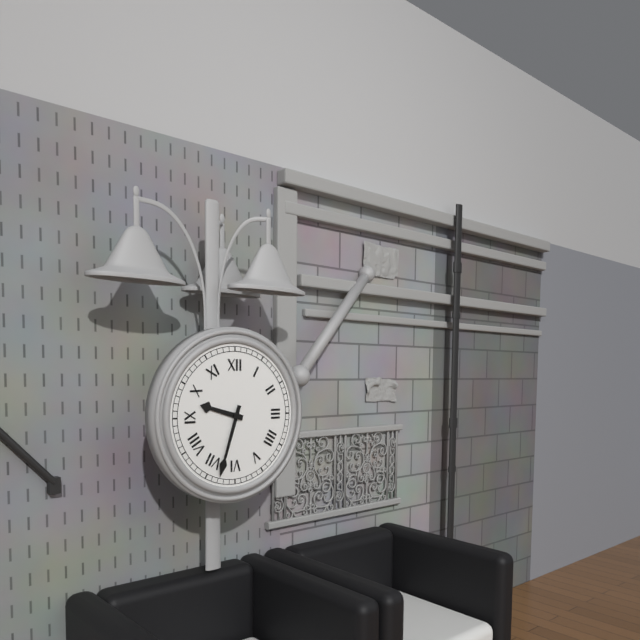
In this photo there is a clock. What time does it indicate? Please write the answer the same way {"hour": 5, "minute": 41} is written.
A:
{"hour": 9, "minute": 33}
